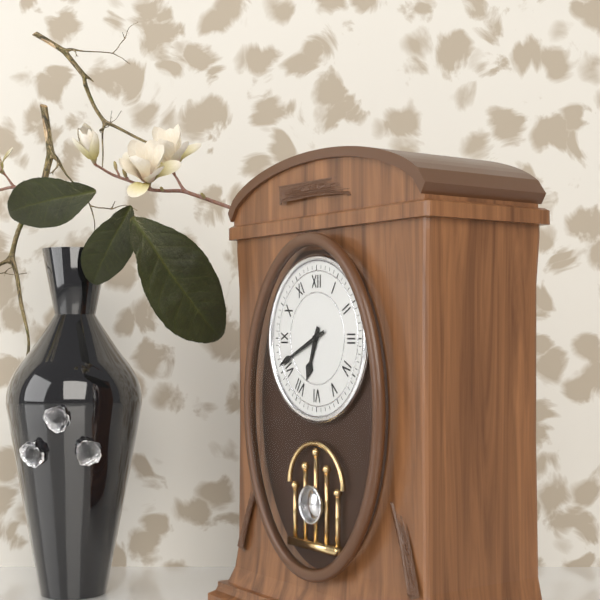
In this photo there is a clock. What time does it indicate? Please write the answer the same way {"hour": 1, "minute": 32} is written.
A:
{"hour": 6, "minute": 41}
